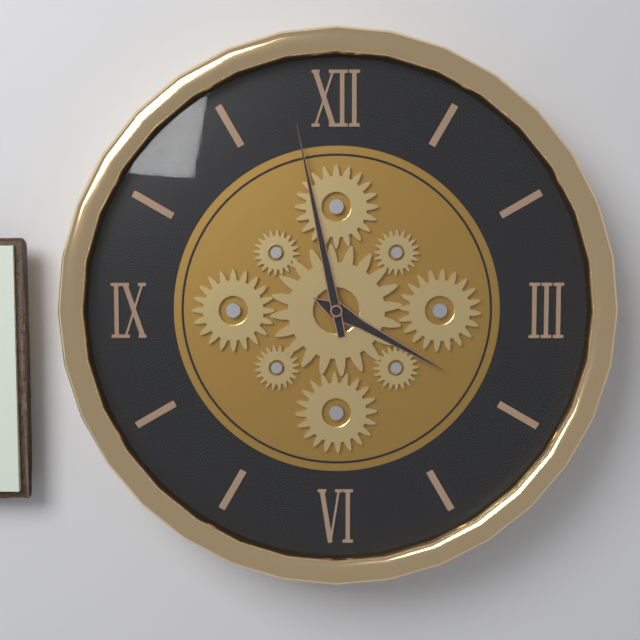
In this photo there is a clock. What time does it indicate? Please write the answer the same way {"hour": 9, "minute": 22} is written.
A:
{"hour": 3, "minute": 58}
